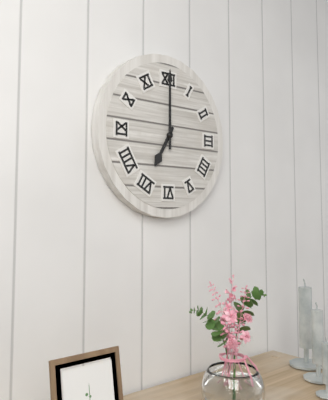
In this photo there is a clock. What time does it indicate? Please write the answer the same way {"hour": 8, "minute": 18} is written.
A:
{"hour": 7, "minute": 0}
